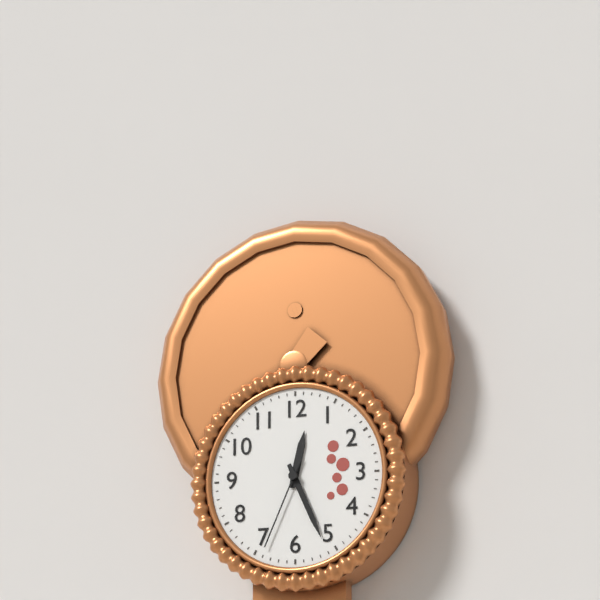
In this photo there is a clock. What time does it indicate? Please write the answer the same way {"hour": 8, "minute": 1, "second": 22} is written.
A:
{"hour": 12, "minute": 26, "second": 34}
